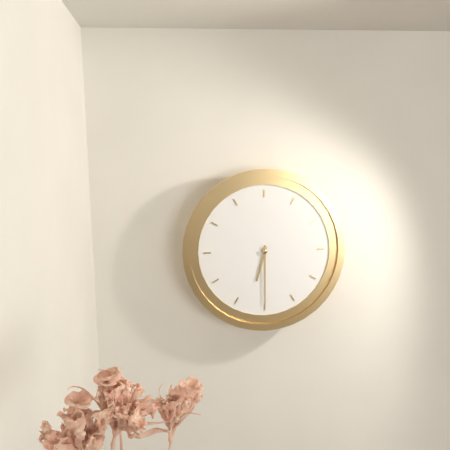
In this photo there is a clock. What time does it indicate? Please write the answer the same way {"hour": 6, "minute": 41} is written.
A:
{"hour": 6, "minute": 30}
